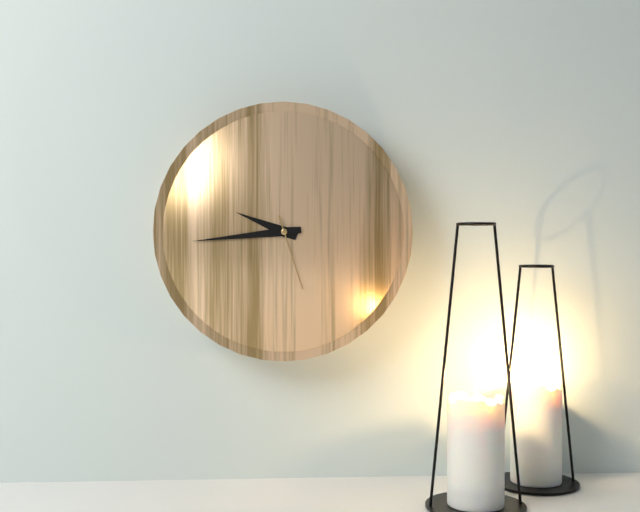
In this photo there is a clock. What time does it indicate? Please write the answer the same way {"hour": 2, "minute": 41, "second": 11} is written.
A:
{"hour": 9, "minute": 44, "second": 27}
